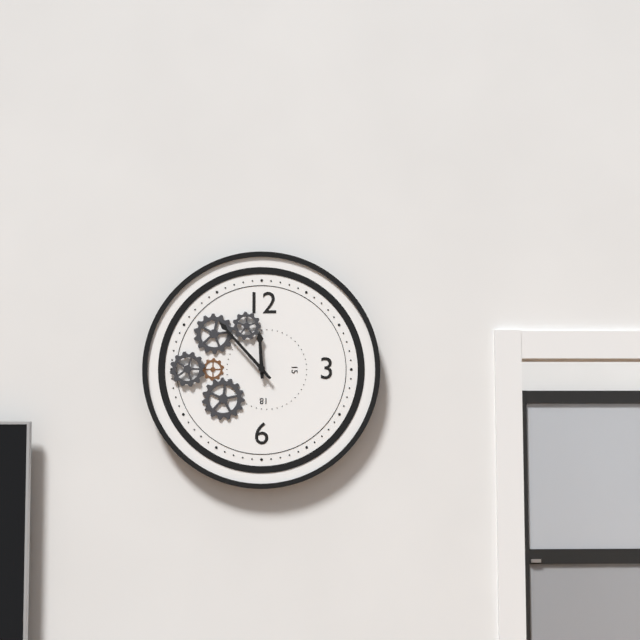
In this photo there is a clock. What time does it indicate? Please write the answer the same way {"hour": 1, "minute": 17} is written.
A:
{"hour": 11, "minute": 53}
